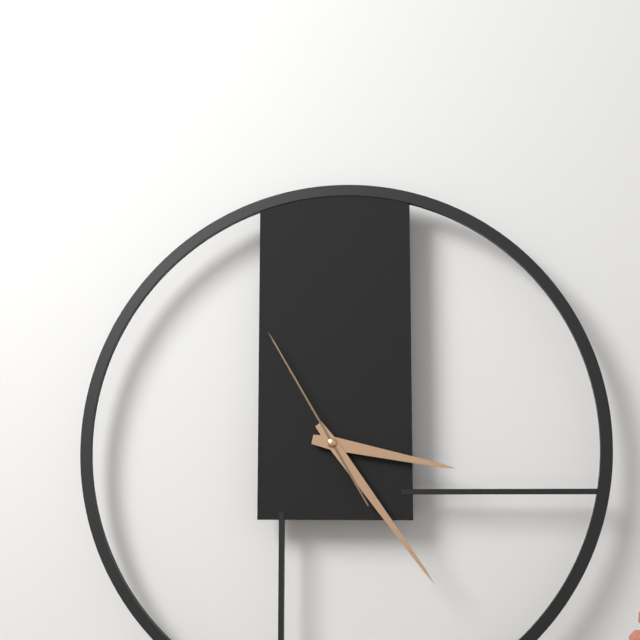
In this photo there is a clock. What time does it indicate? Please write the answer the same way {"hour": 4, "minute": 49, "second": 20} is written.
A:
{"hour": 3, "minute": 24, "second": 55}
